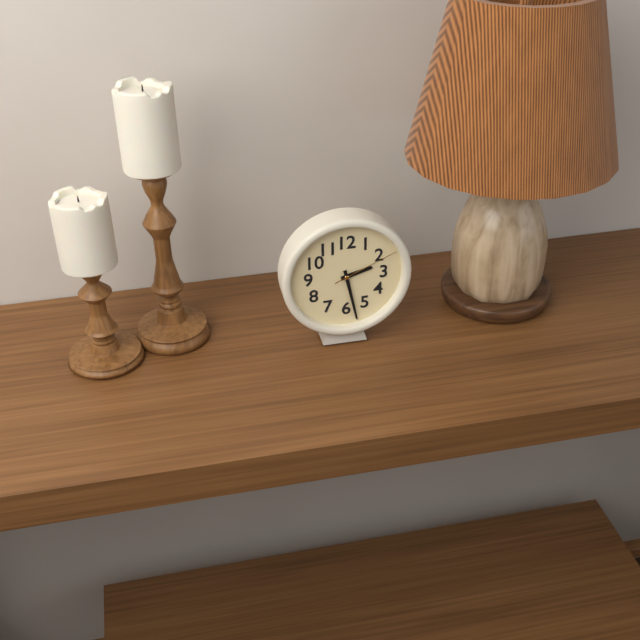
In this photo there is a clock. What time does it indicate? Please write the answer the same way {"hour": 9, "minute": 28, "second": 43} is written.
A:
{"hour": 2, "minute": 28, "second": 11}
